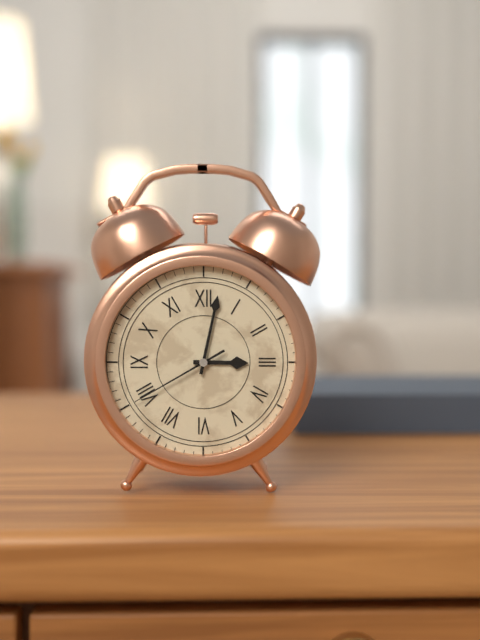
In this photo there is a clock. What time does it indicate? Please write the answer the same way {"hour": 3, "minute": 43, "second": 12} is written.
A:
{"hour": 3, "minute": 2, "second": 40}
